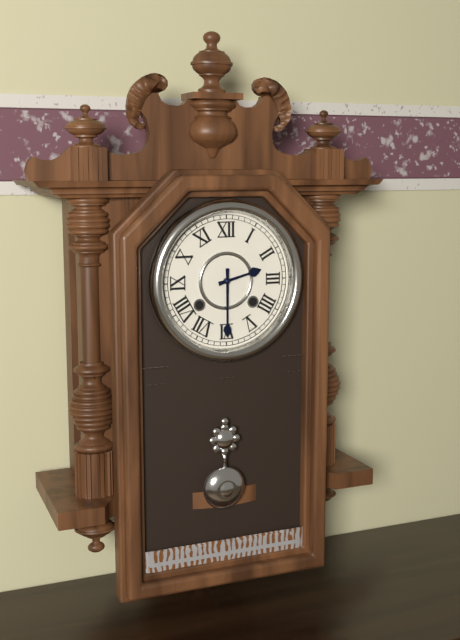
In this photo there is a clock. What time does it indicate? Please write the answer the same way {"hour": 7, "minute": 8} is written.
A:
{"hour": 2, "minute": 30}
